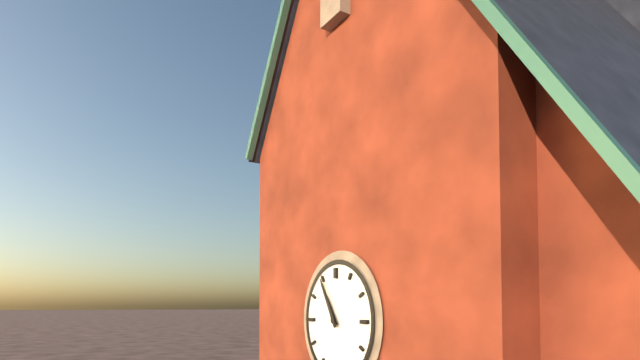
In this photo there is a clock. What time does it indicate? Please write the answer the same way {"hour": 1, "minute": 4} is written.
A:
{"hour": 10, "minute": 55}
